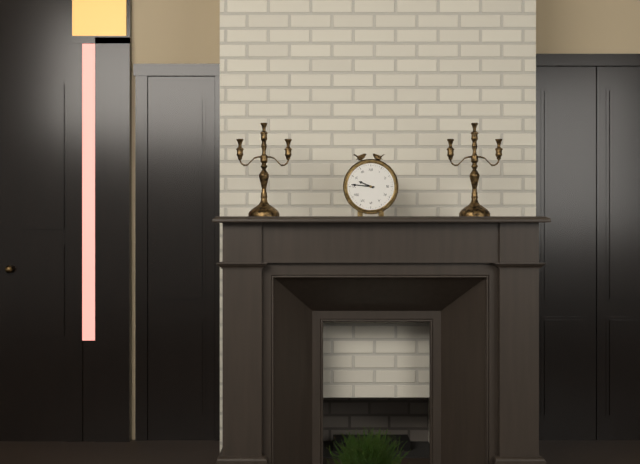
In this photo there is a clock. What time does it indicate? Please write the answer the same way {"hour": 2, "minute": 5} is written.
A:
{"hour": 9, "minute": 46}
